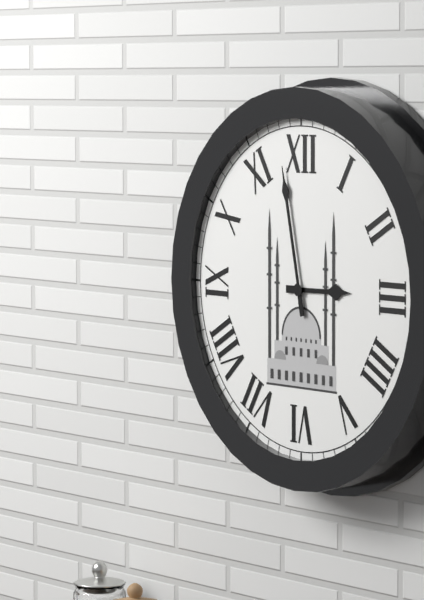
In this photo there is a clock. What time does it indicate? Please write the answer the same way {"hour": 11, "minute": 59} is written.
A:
{"hour": 2, "minute": 58}
